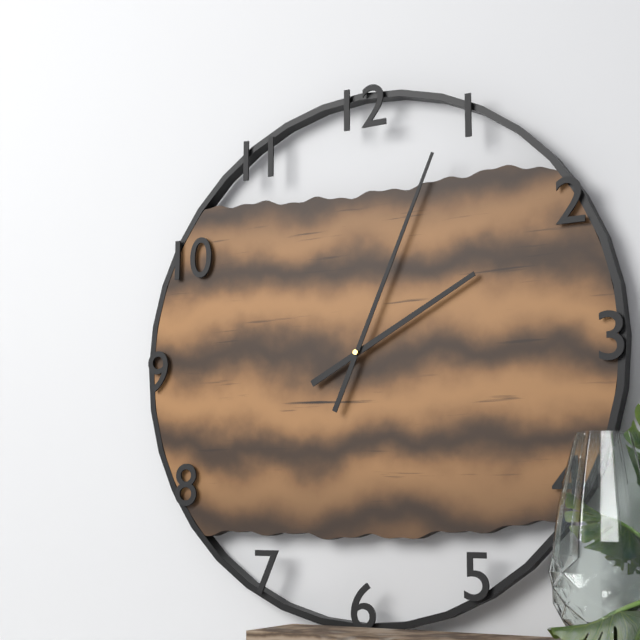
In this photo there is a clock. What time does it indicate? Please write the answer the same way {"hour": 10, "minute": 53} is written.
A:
{"hour": 2, "minute": 4}
